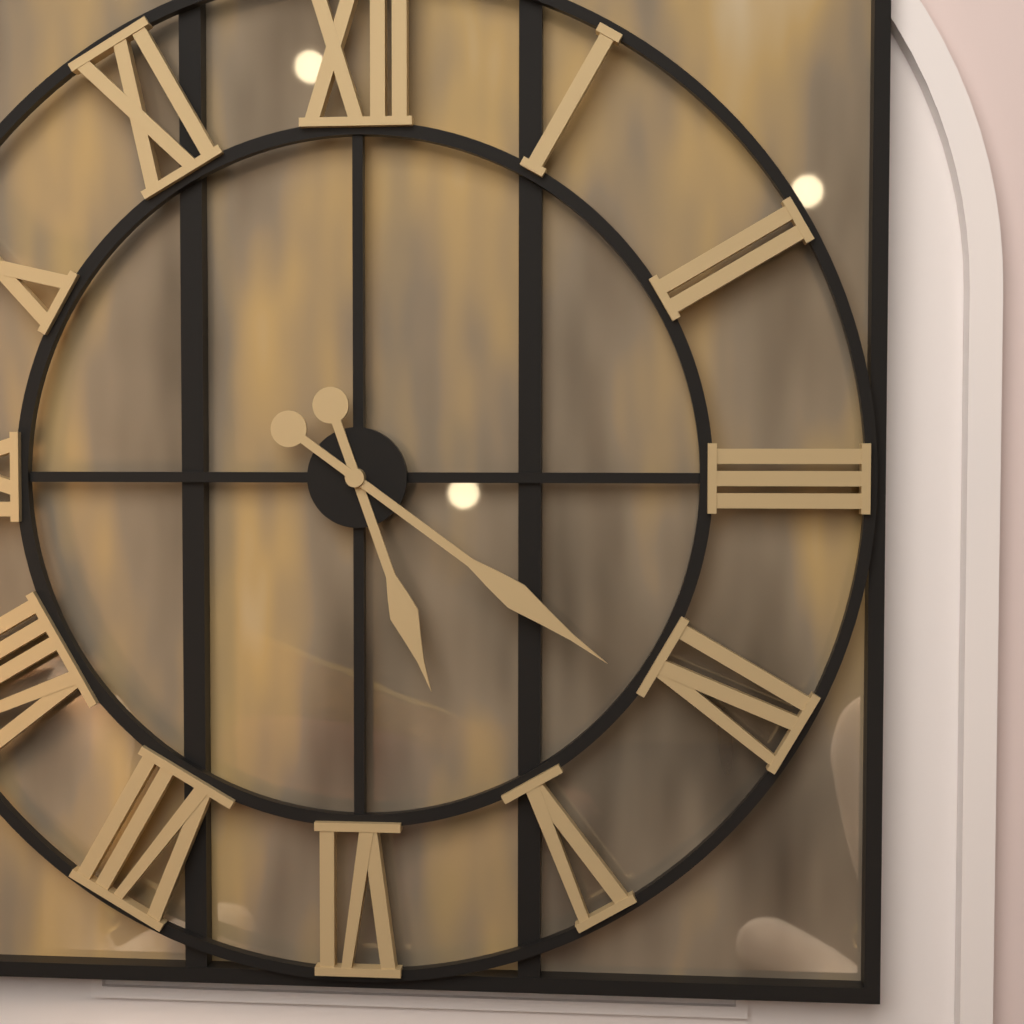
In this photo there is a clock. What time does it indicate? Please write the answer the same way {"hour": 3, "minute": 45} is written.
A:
{"hour": 5, "minute": 21}
